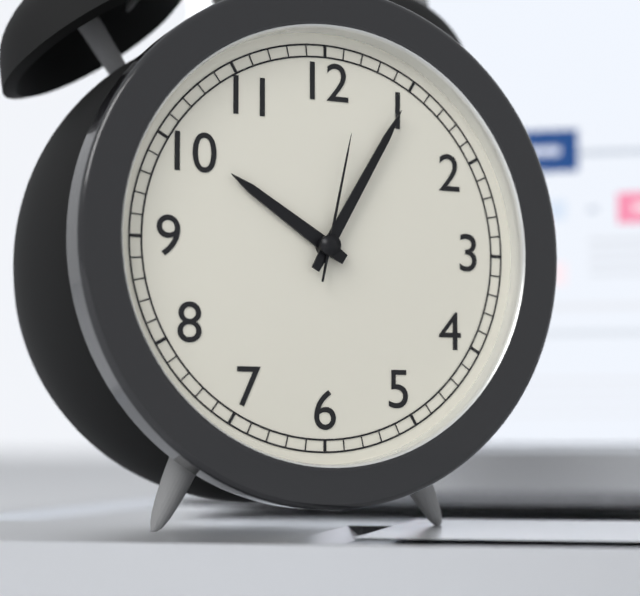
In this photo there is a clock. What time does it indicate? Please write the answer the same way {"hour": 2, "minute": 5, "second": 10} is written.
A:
{"hour": 10, "minute": 5, "second": 2}
